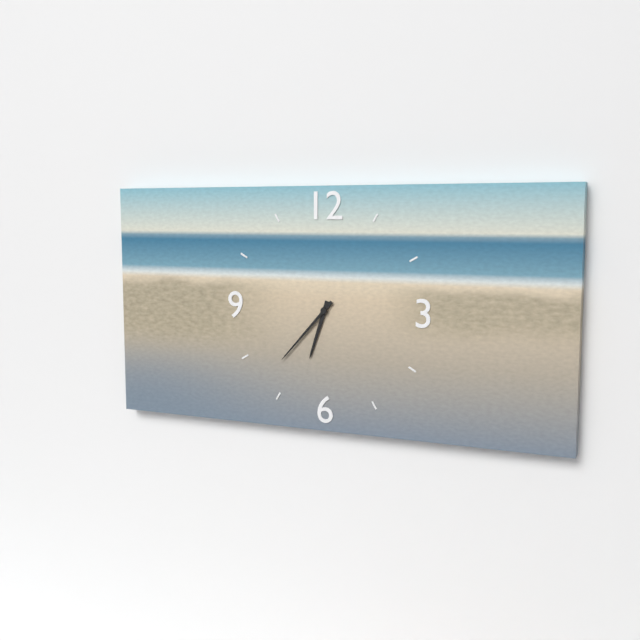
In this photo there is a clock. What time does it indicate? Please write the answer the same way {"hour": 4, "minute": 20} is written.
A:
{"hour": 6, "minute": 37}
